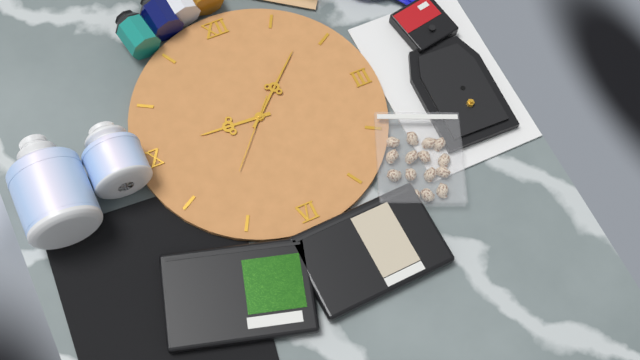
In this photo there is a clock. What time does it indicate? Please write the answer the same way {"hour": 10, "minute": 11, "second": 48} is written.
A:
{"hour": 9, "minute": 8, "second": 37}
